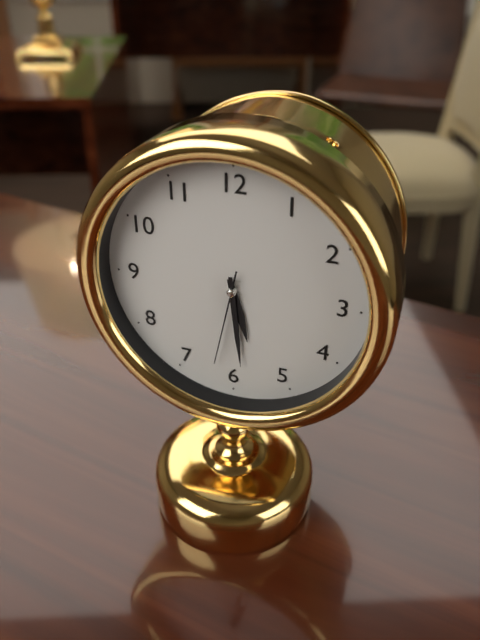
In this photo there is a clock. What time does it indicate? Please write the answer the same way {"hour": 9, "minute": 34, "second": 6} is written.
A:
{"hour": 5, "minute": 29, "second": 32}
